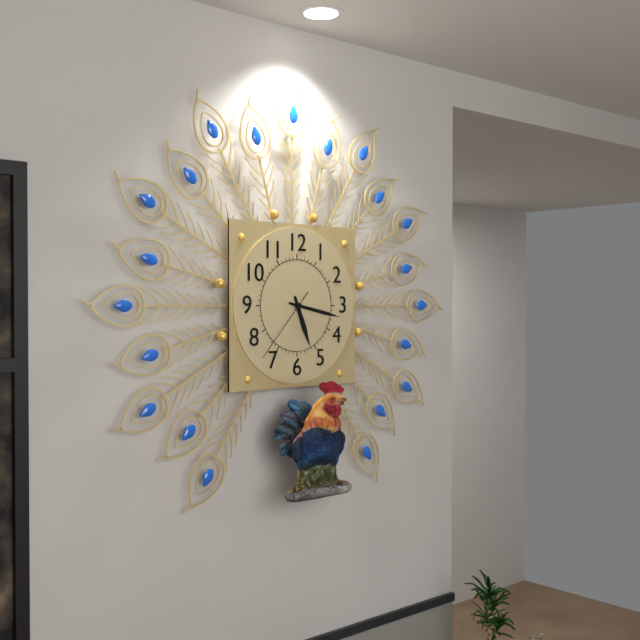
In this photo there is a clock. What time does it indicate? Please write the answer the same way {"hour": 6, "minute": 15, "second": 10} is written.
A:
{"hour": 5, "minute": 17, "second": 37}
